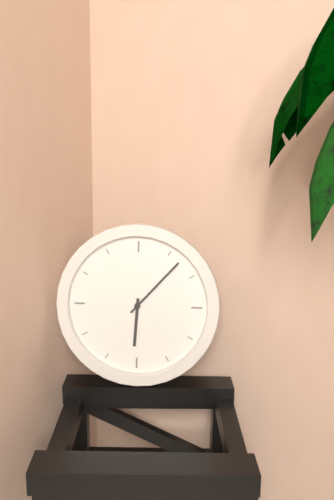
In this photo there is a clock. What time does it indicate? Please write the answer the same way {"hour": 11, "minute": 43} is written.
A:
{"hour": 6, "minute": 7}
